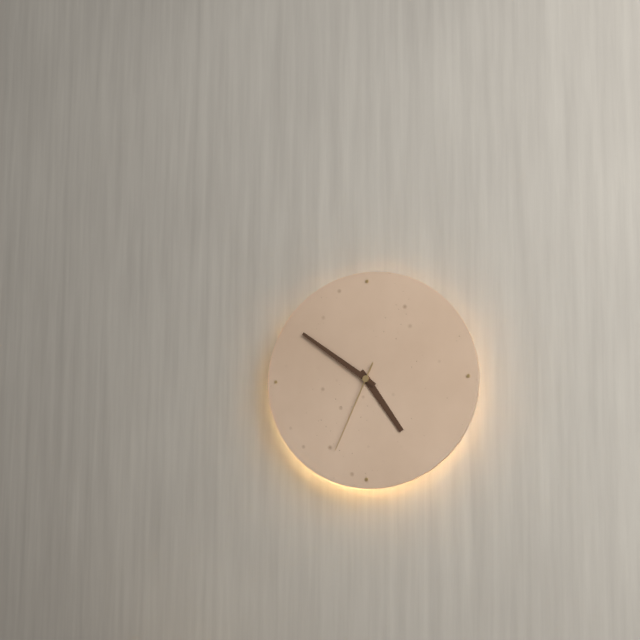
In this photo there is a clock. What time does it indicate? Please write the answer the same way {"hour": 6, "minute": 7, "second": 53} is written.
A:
{"hour": 4, "minute": 51, "second": 34}
